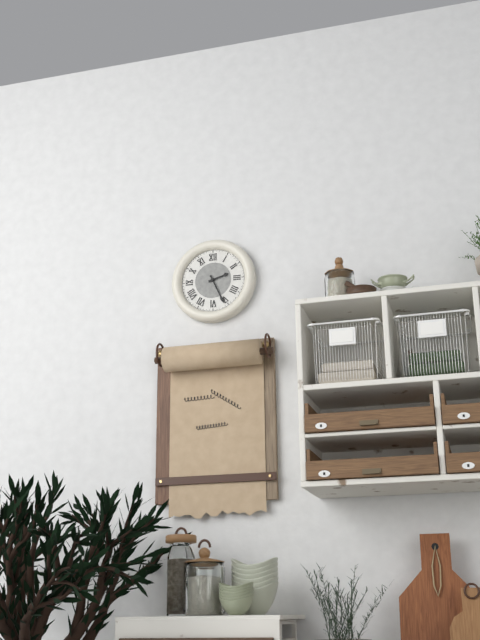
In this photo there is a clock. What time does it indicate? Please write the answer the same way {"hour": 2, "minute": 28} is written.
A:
{"hour": 2, "minute": 26}
